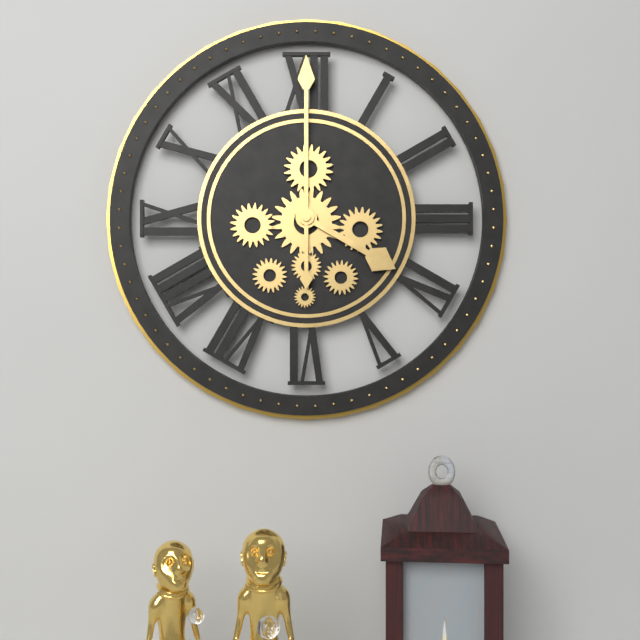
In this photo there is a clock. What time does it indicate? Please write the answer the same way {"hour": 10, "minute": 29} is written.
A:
{"hour": 4, "minute": 0}
